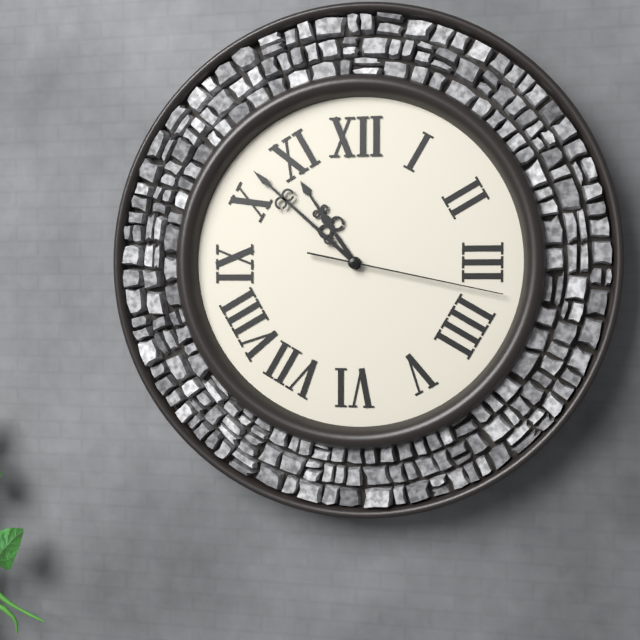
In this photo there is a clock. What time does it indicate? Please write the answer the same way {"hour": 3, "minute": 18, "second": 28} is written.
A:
{"hour": 10, "minute": 52, "second": 17}
